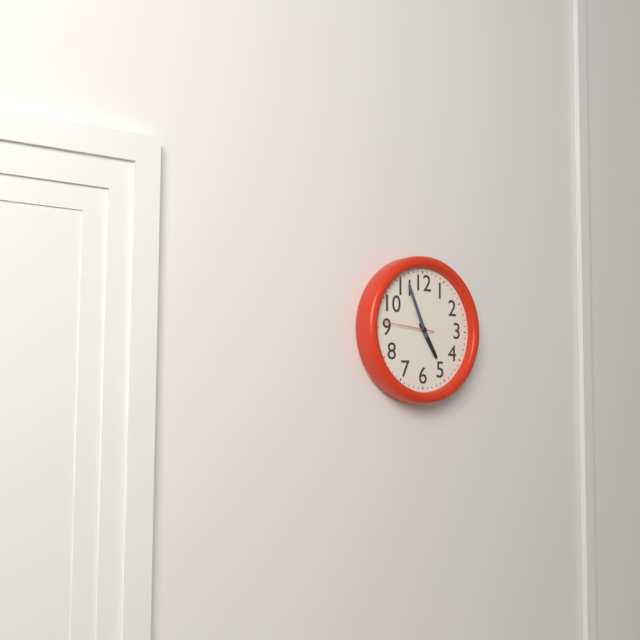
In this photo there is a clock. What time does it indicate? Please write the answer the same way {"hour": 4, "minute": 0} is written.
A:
{"hour": 4, "minute": 56}
